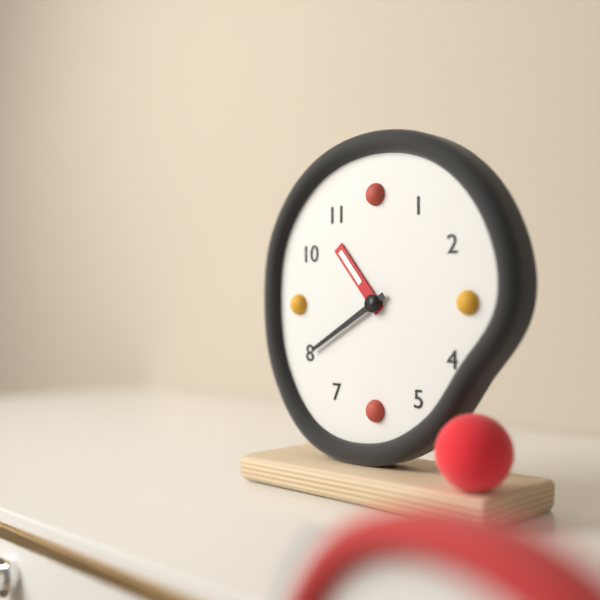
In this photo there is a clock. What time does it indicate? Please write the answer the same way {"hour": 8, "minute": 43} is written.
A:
{"hour": 10, "minute": 40}
